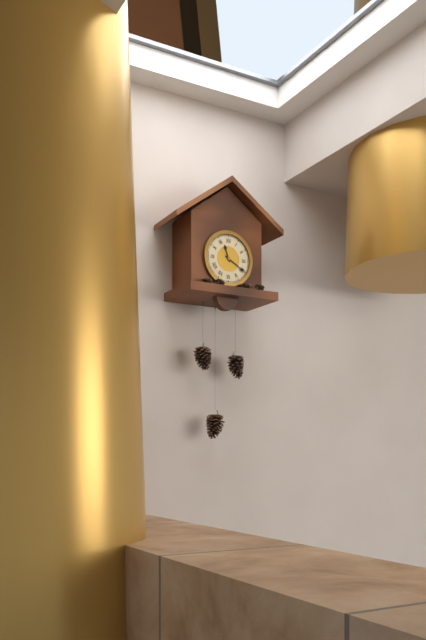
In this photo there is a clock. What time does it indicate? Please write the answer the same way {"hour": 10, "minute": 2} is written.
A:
{"hour": 11, "minute": 20}
